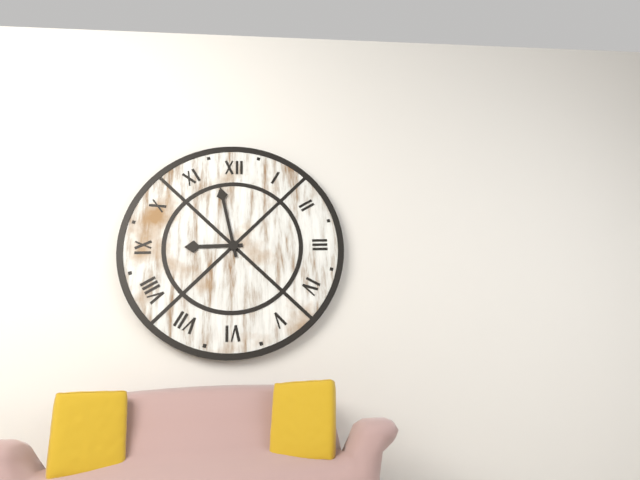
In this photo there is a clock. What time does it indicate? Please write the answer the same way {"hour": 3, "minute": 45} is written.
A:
{"hour": 8, "minute": 58}
